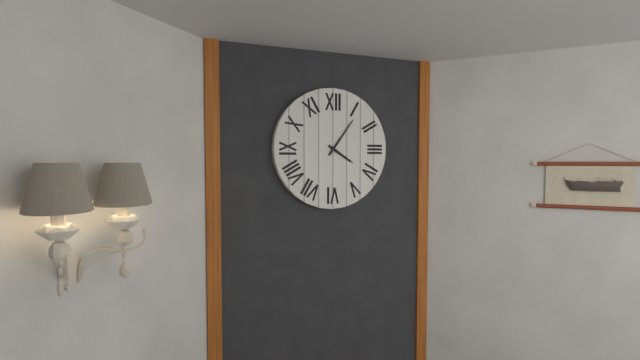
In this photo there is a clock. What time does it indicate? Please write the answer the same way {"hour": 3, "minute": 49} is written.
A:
{"hour": 4, "minute": 6}
